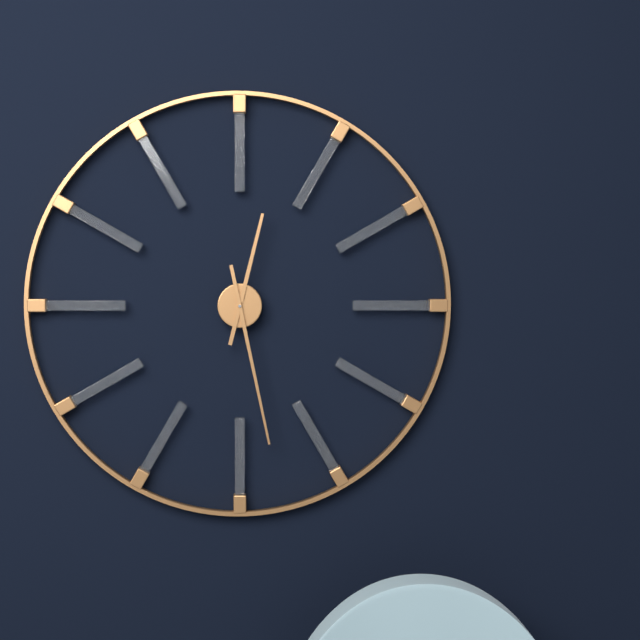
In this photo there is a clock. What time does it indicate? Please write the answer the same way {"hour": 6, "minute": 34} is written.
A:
{"hour": 12, "minute": 28}
